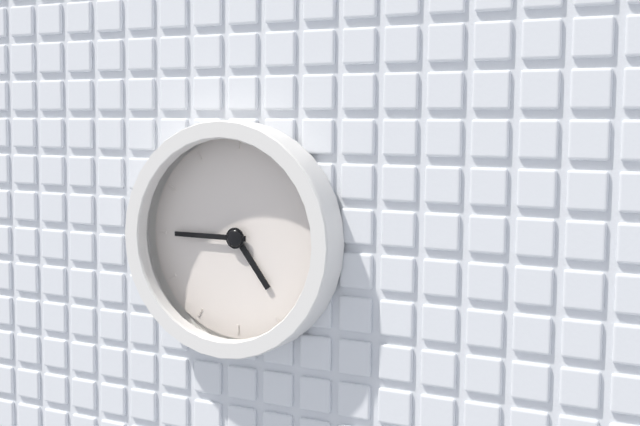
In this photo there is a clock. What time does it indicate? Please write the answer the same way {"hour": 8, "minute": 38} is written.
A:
{"hour": 4, "minute": 45}
